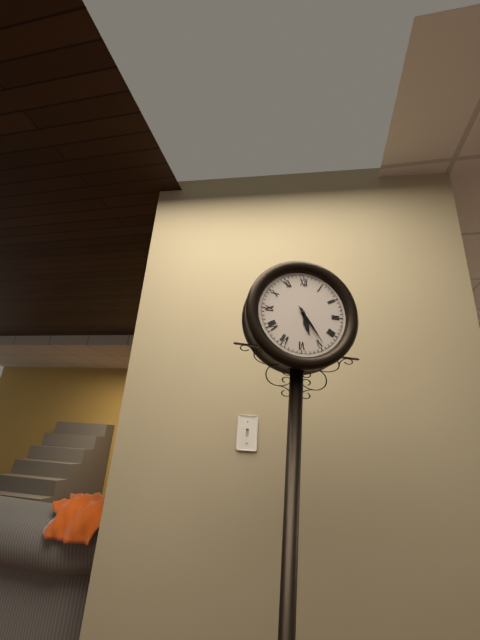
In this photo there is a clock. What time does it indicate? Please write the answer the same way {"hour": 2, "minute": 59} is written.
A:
{"hour": 5, "minute": 24}
